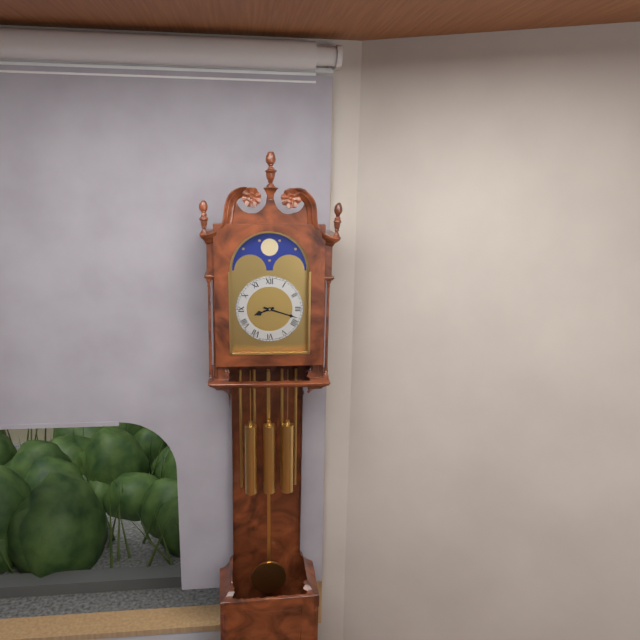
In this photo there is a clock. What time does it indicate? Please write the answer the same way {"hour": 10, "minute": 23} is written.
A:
{"hour": 8, "minute": 18}
